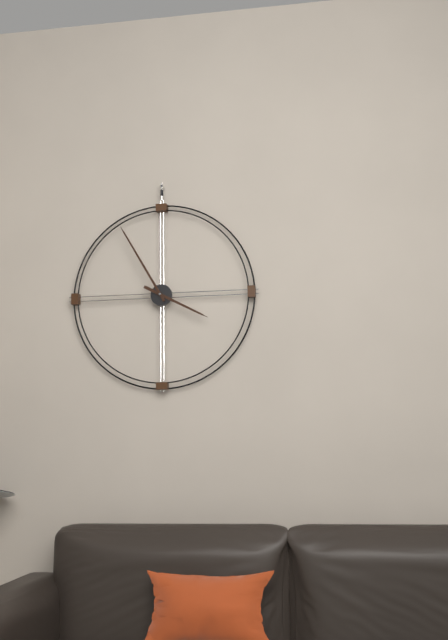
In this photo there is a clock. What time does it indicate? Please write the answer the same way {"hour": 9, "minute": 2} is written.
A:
{"hour": 3, "minute": 55}
